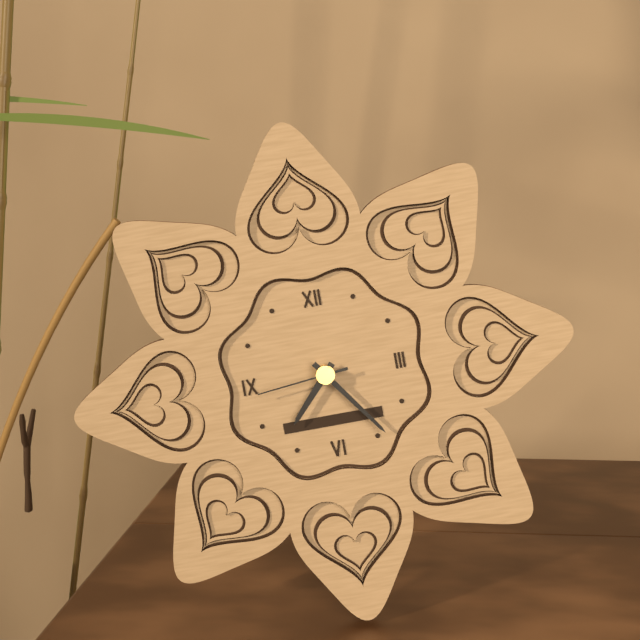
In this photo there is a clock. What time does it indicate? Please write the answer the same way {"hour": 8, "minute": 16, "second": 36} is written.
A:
{"hour": 7, "minute": 24, "second": 44}
